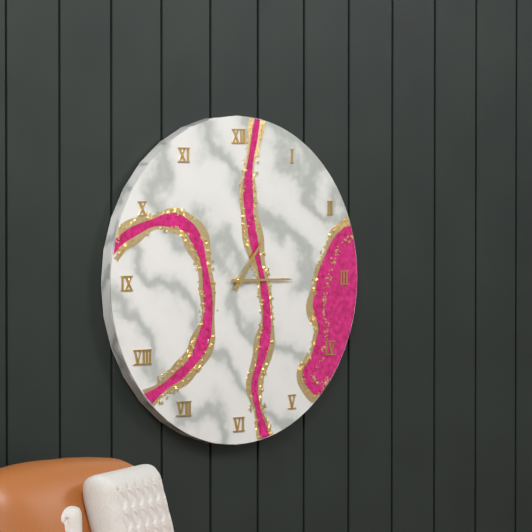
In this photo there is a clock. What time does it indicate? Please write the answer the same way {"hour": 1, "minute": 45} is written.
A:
{"hour": 1, "minute": 15}
